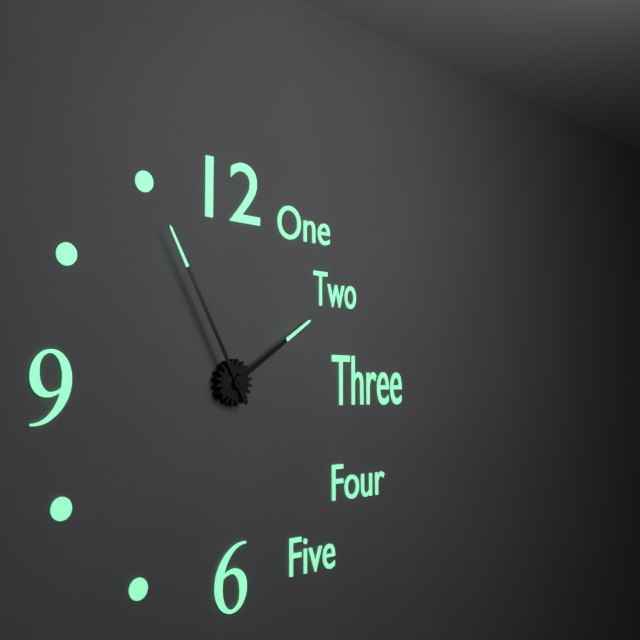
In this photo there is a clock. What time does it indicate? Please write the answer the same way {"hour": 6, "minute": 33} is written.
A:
{"hour": 1, "minute": 55}
